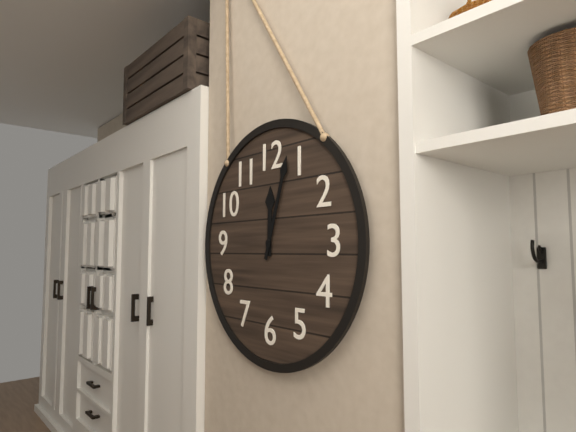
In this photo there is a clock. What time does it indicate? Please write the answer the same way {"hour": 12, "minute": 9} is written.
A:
{"hour": 12, "minute": 3}
